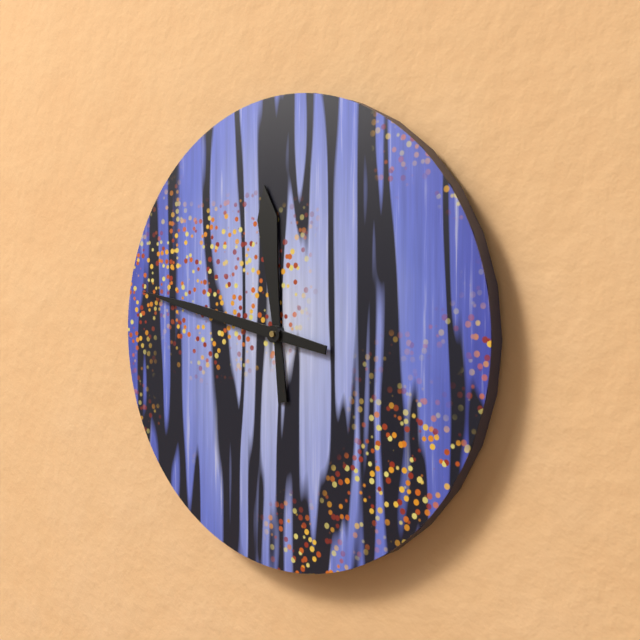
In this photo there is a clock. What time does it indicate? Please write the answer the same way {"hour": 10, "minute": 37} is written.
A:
{"hour": 11, "minute": 47}
